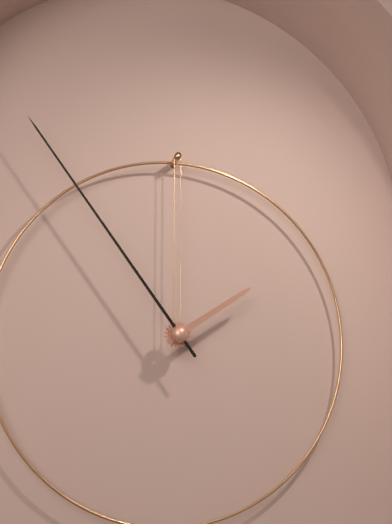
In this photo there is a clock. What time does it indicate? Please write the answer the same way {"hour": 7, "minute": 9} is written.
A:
{"hour": 1, "minute": 54}
